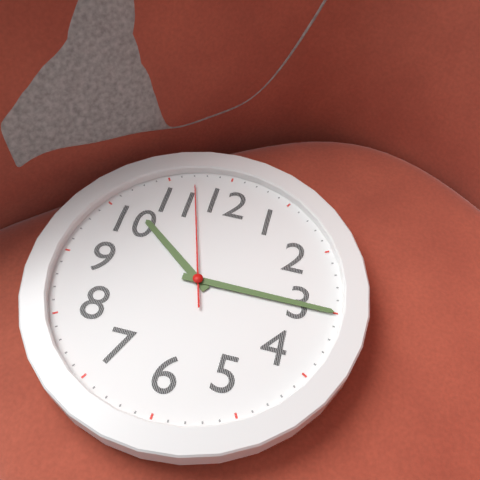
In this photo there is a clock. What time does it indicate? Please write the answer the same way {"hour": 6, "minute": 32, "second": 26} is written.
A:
{"hour": 10, "minute": 15, "second": 57}
